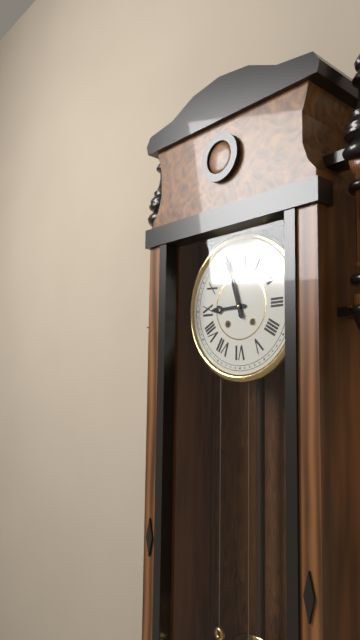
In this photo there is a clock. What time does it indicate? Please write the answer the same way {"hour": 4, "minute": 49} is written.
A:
{"hour": 8, "minute": 57}
